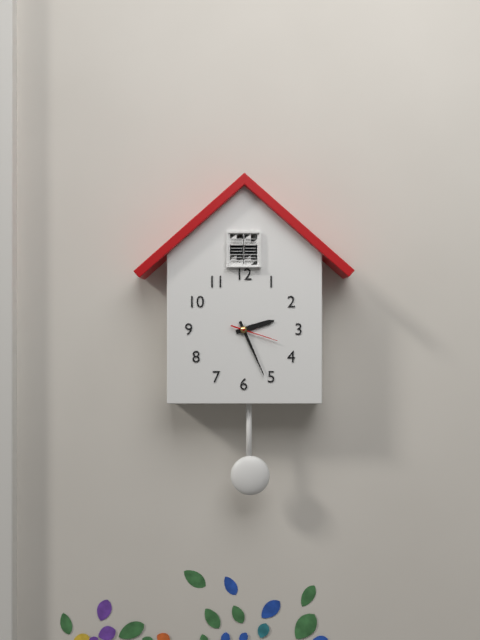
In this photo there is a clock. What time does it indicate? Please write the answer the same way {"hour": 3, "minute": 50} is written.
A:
{"hour": 2, "minute": 26}
